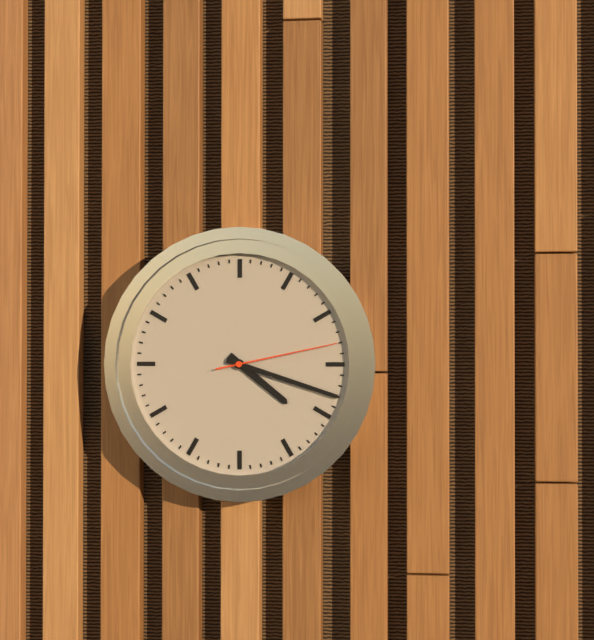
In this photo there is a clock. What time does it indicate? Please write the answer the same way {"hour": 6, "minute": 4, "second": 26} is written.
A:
{"hour": 4, "minute": 18, "second": 13}
